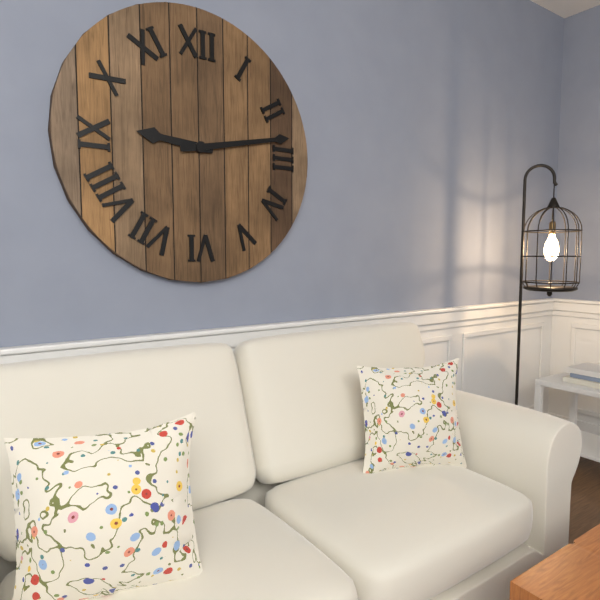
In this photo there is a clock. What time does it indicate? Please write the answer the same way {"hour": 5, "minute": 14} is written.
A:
{"hour": 9, "minute": 13}
